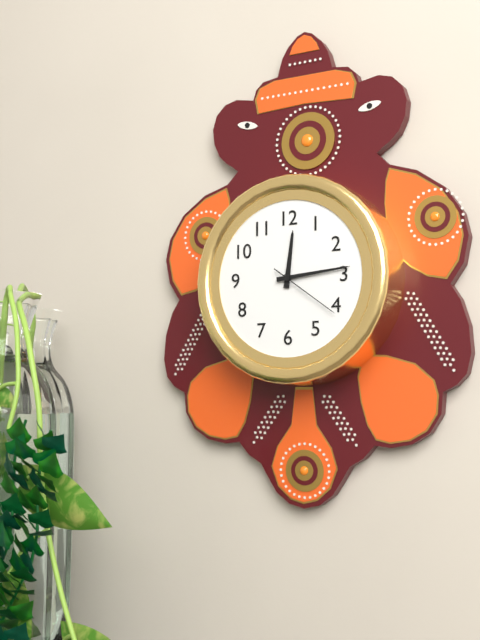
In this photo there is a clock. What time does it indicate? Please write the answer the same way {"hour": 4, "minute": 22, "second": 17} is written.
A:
{"hour": 12, "minute": 14, "second": 21}
